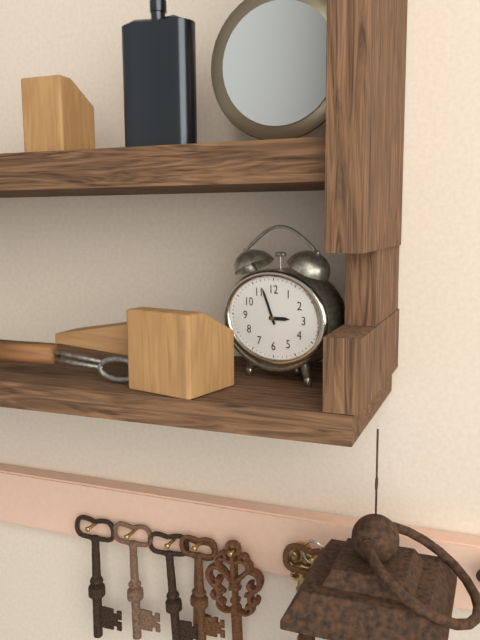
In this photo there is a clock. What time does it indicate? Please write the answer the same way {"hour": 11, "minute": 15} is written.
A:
{"hour": 2, "minute": 56}
